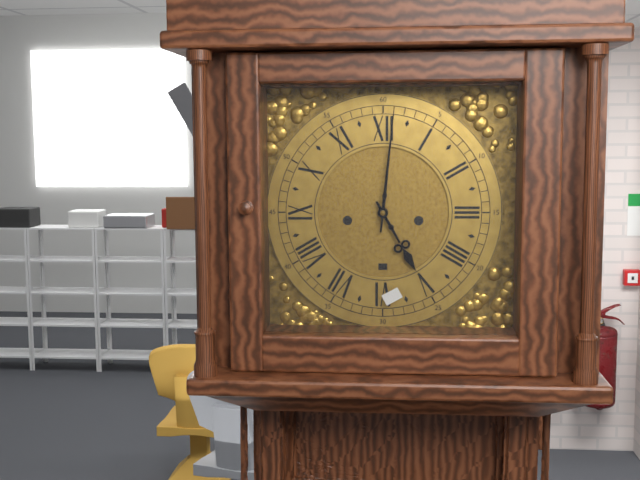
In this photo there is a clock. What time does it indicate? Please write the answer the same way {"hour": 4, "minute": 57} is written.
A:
{"hour": 5, "minute": 1}
